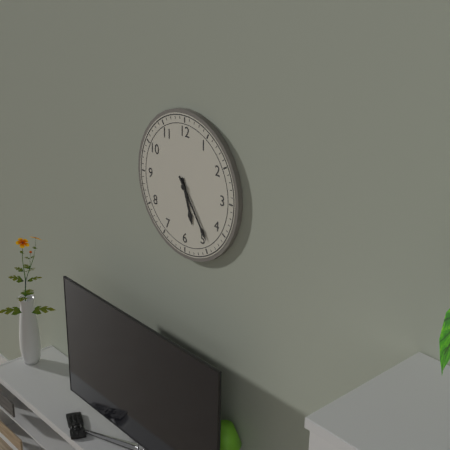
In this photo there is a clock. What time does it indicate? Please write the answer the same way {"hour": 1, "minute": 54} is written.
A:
{"hour": 5, "minute": 24}
